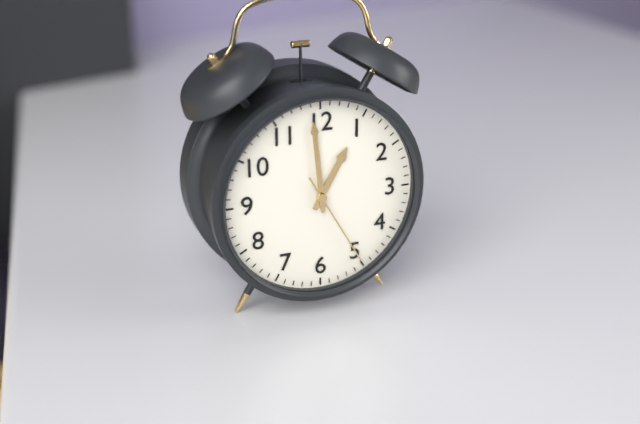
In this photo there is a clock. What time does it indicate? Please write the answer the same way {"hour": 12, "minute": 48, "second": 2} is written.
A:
{"hour": 12, "minute": 59, "second": 25}
